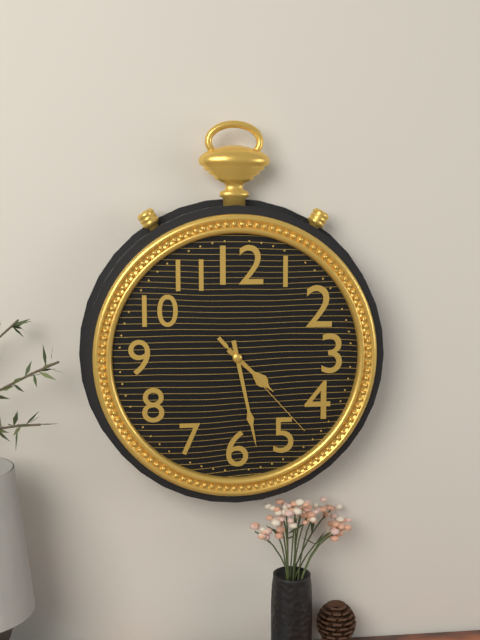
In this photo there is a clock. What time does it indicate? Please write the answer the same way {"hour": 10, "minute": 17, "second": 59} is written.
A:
{"hour": 4, "minute": 28, "second": 23}
